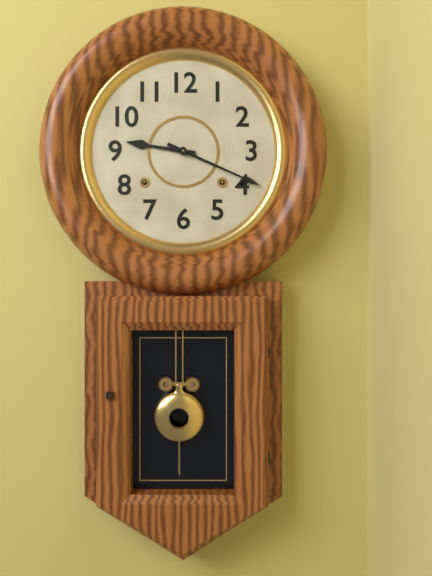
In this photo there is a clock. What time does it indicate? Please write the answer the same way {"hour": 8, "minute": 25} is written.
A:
{"hour": 9, "minute": 19}
